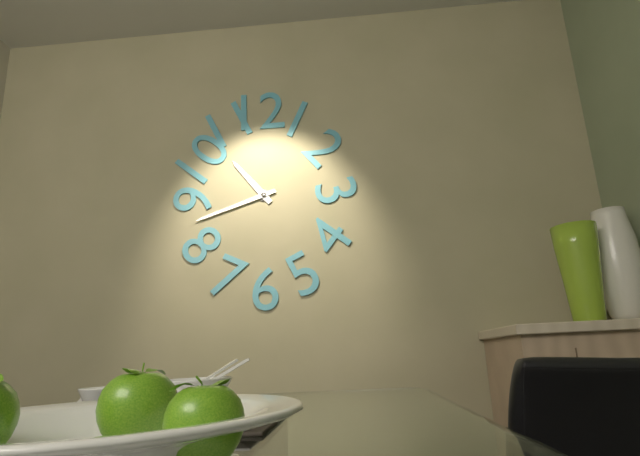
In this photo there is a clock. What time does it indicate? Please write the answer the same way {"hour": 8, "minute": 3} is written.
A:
{"hour": 10, "minute": 42}
